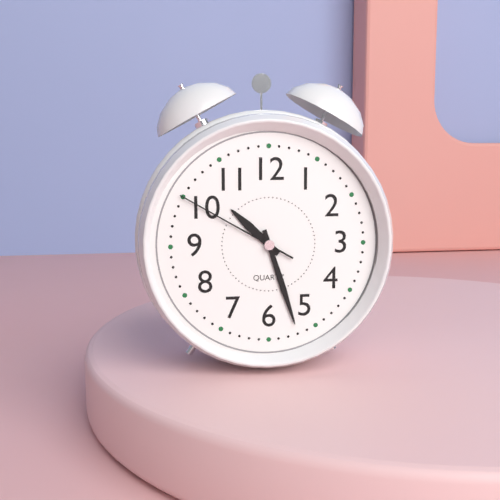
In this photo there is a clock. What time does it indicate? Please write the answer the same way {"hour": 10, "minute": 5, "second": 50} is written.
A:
{"hour": 10, "minute": 27, "second": 50}
